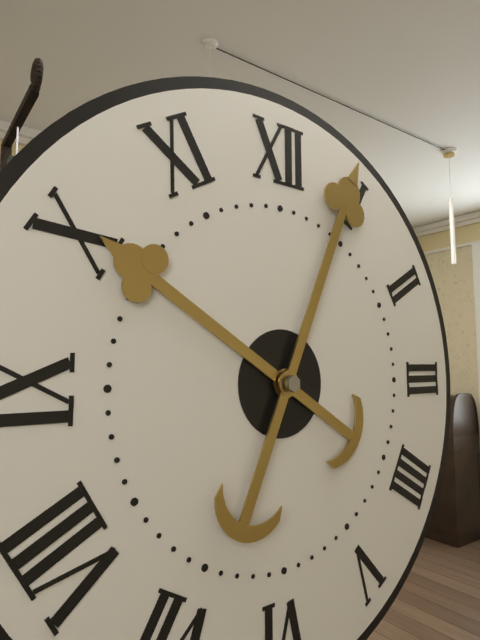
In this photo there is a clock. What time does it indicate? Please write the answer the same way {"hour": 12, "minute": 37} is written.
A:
{"hour": 10, "minute": 4}
